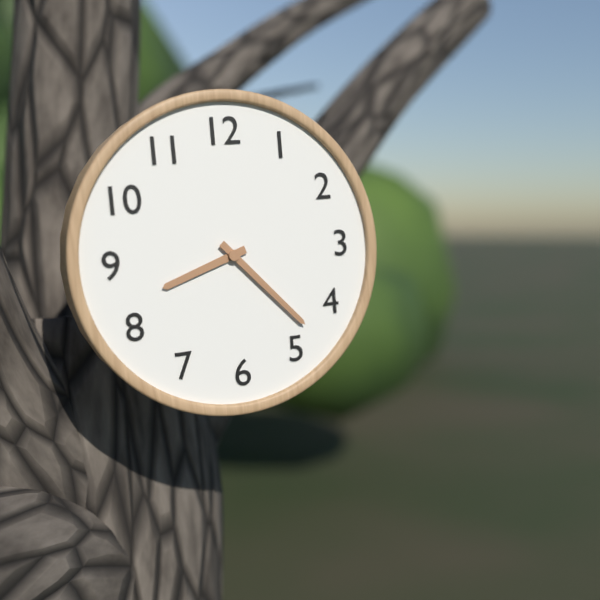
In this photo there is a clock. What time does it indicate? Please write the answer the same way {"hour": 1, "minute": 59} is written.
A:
{"hour": 8, "minute": 23}
